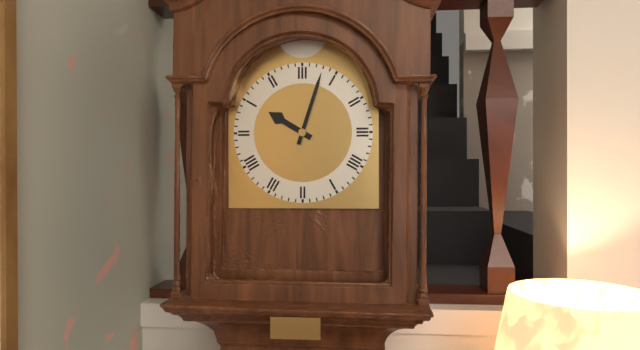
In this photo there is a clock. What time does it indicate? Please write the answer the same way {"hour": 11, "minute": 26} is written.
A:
{"hour": 10, "minute": 3}
